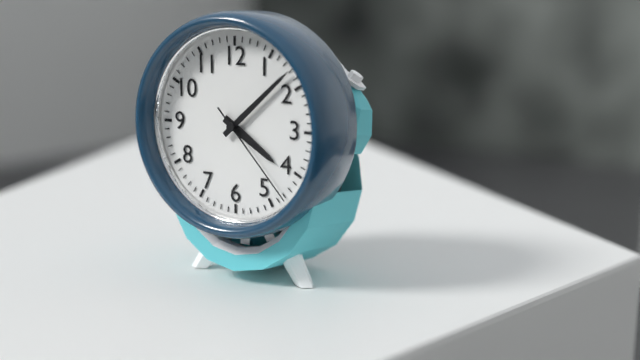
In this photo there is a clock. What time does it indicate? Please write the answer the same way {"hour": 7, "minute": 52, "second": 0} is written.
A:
{"hour": 4, "minute": 8, "second": 23}
